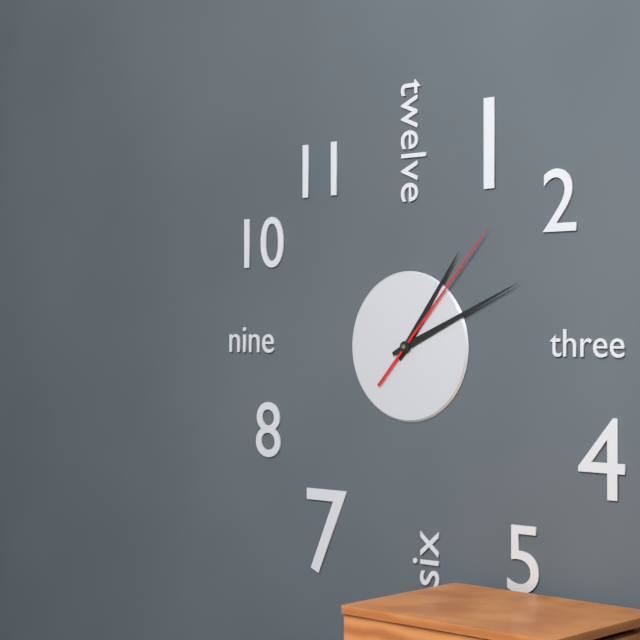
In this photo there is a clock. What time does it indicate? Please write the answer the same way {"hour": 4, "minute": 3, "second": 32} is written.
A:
{"hour": 1, "minute": 11, "second": 7}
